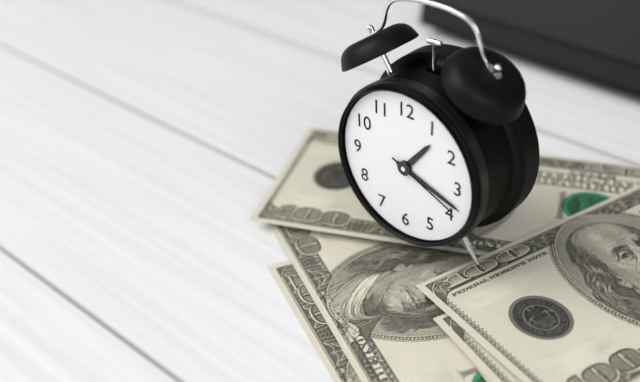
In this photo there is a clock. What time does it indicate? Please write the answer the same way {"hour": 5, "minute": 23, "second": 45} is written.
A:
{"hour": 1, "minute": 18, "second": 19}
